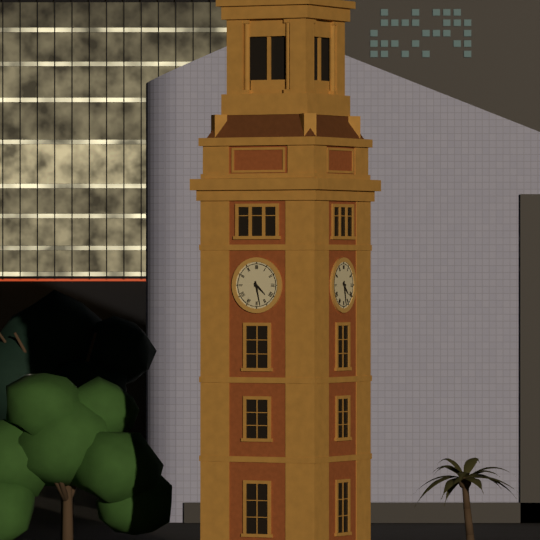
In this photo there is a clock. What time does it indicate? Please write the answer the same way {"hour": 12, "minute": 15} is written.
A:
{"hour": 4, "minute": 28}
